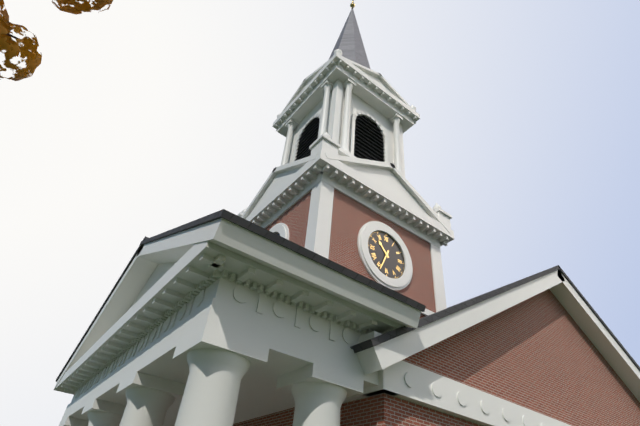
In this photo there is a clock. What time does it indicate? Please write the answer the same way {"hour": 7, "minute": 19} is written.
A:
{"hour": 10, "minute": 34}
